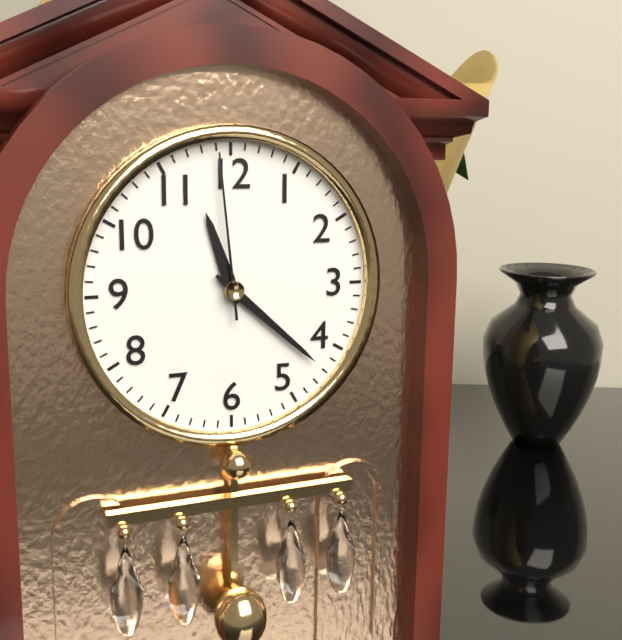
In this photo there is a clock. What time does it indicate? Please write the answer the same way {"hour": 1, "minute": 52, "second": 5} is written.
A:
{"hour": 11, "minute": 22, "second": 59}
